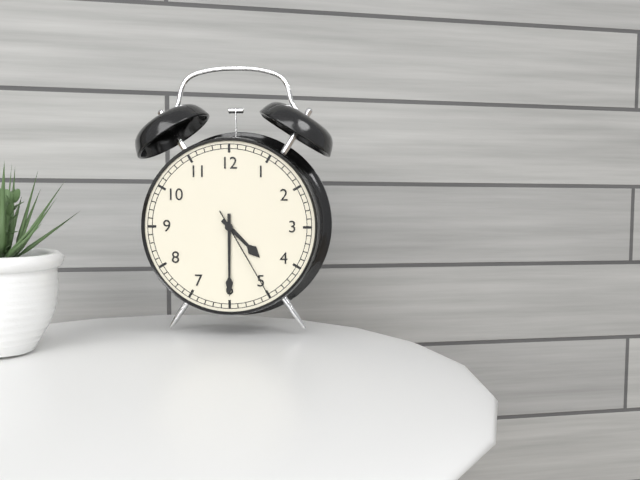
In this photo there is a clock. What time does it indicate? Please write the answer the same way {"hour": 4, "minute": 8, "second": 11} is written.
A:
{"hour": 4, "minute": 30, "second": 25}
